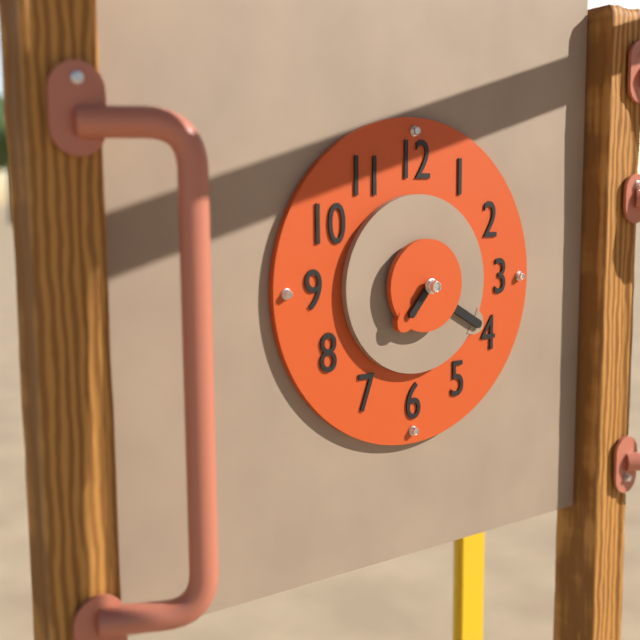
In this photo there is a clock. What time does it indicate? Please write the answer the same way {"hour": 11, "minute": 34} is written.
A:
{"hour": 7, "minute": 20}
